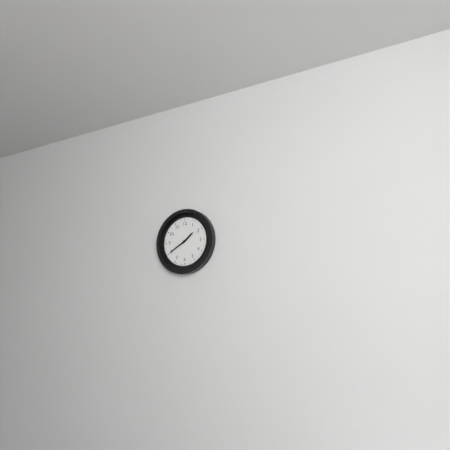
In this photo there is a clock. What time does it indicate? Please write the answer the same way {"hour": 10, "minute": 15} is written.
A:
{"hour": 1, "minute": 40}
